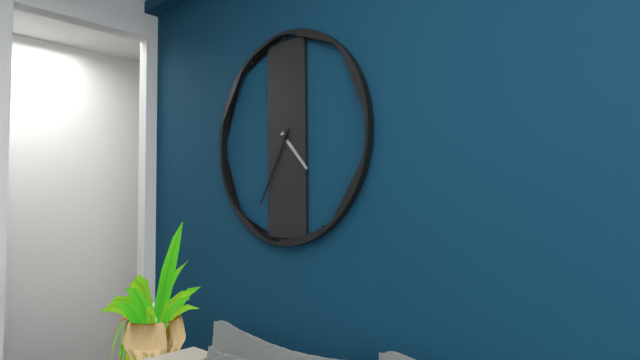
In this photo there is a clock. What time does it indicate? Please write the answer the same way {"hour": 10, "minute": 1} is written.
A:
{"hour": 4, "minute": 35}
